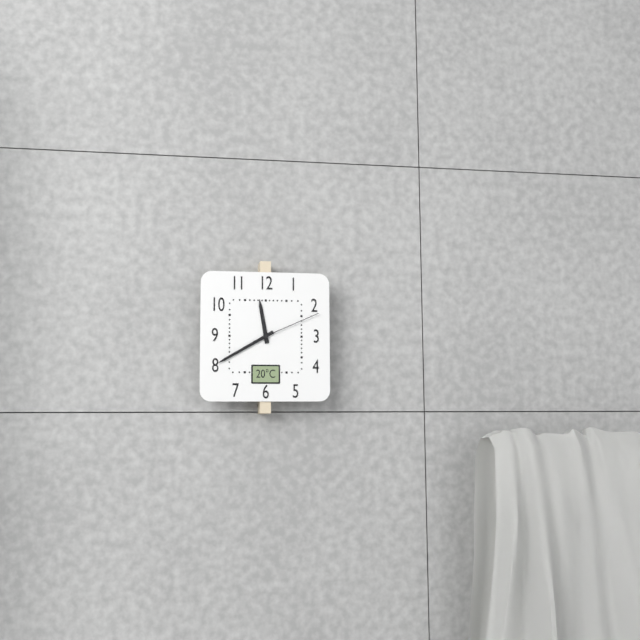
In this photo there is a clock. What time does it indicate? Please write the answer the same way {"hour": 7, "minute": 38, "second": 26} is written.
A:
{"hour": 11, "minute": 40, "second": 11}
